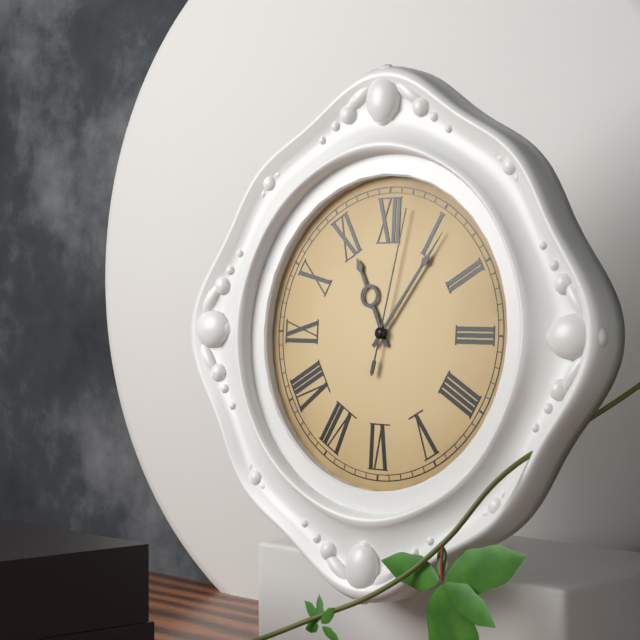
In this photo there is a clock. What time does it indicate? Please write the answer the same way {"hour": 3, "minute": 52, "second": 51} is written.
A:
{"hour": 11, "minute": 6, "second": 2}
